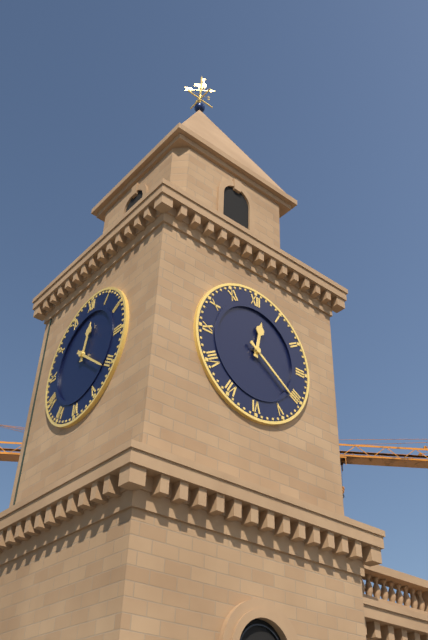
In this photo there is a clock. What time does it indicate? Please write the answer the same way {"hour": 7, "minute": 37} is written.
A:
{"hour": 12, "minute": 21}
